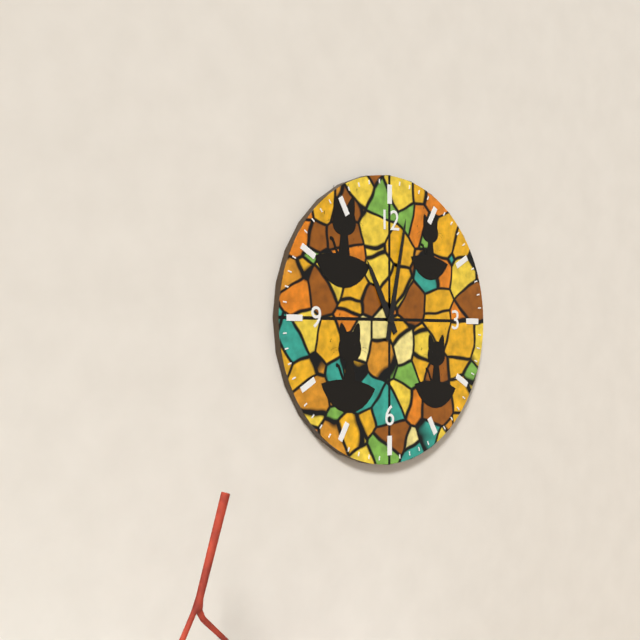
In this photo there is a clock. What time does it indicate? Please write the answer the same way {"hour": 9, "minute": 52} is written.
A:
{"hour": 11, "minute": 2}
